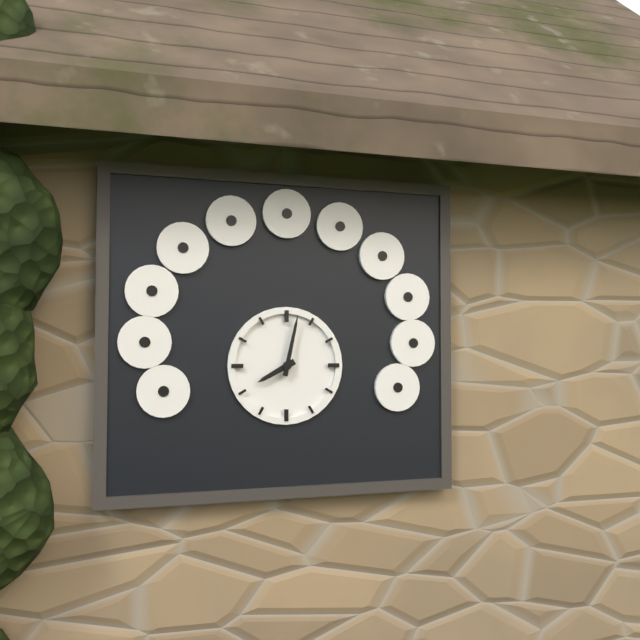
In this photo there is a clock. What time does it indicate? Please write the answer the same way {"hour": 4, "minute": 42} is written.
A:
{"hour": 8, "minute": 2}
